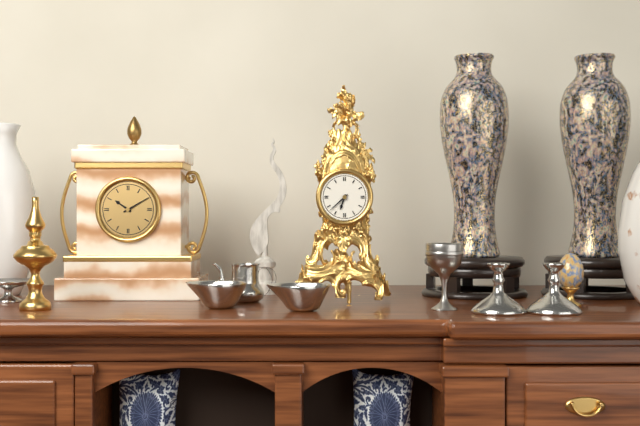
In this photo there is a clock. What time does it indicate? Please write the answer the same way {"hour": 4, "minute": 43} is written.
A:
{"hour": 6, "minute": 38}
